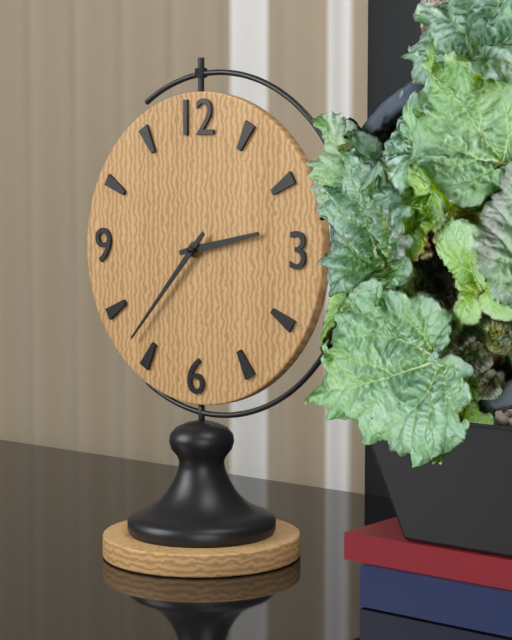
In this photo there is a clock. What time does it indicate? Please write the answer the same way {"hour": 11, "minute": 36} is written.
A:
{"hour": 2, "minute": 37}
